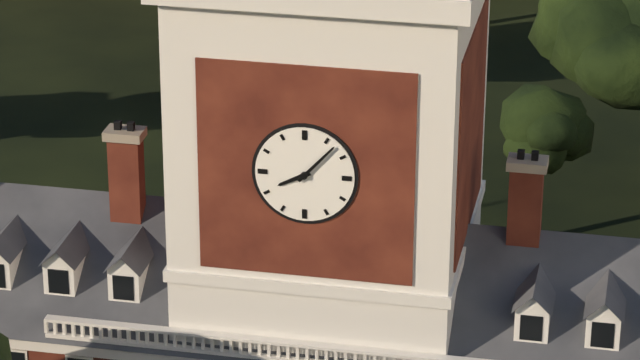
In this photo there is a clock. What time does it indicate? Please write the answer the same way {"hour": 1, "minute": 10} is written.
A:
{"hour": 8, "minute": 7}
